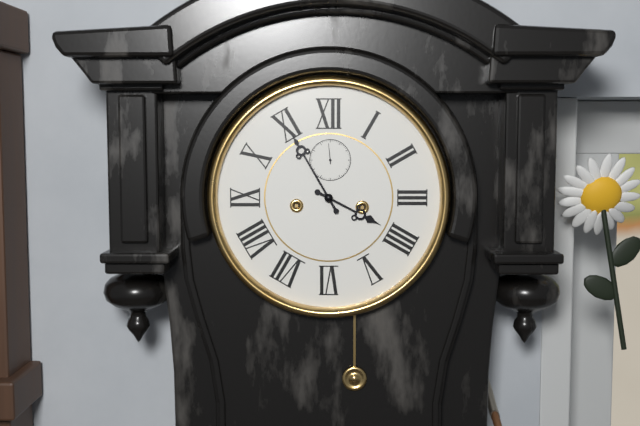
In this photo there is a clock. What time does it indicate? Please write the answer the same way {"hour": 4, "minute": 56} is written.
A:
{"hour": 3, "minute": 55}
